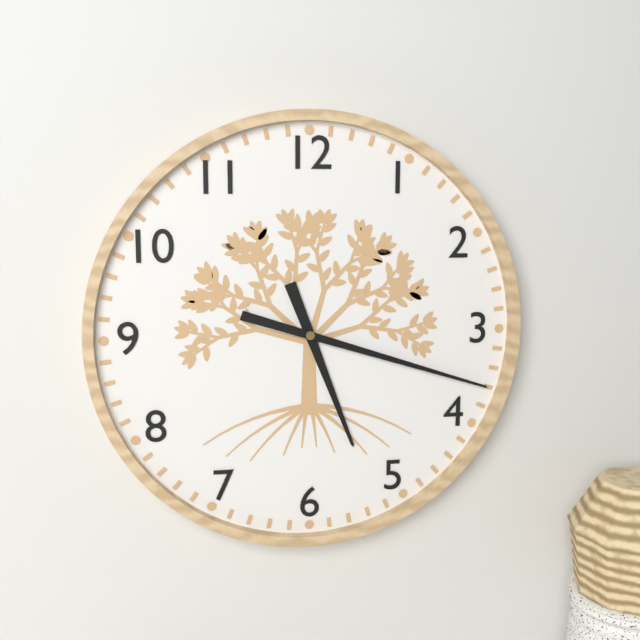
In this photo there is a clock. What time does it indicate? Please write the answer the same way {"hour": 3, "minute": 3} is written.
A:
{"hour": 5, "minute": 18}
